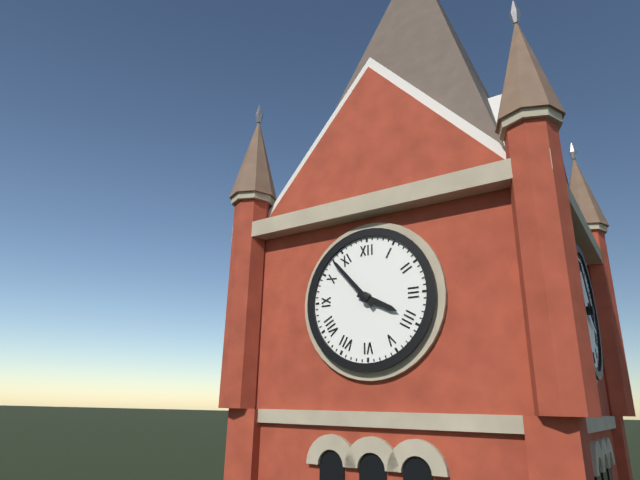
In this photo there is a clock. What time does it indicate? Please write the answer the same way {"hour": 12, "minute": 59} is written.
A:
{"hour": 3, "minute": 53}
